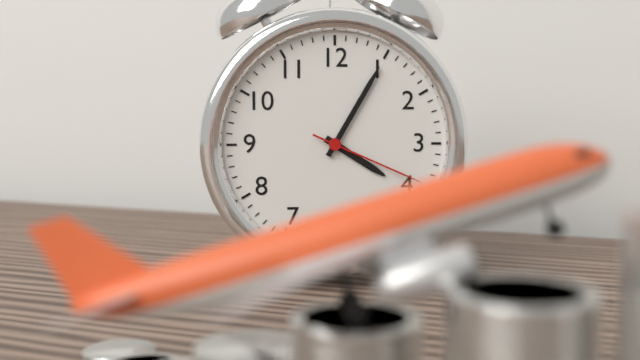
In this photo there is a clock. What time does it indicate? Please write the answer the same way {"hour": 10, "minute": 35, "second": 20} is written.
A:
{"hour": 4, "minute": 5, "second": 19}
